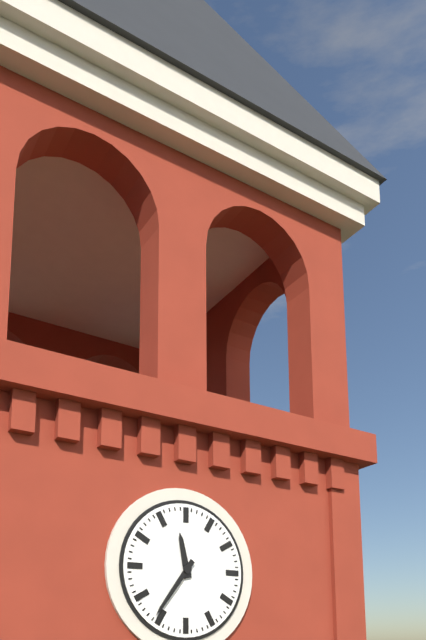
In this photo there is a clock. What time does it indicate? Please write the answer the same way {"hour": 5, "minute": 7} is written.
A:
{"hour": 11, "minute": 36}
